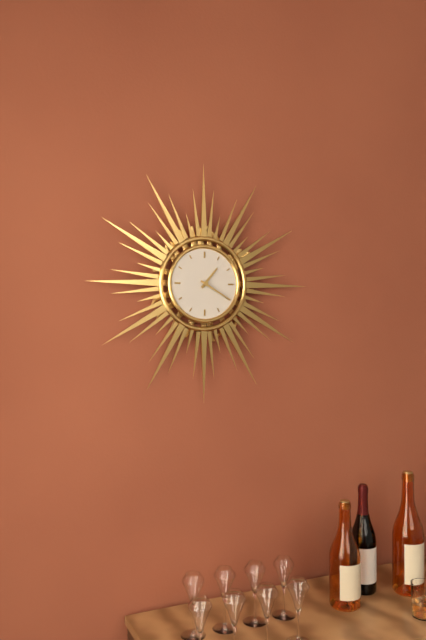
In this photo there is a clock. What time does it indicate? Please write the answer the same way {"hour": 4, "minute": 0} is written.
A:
{"hour": 1, "minute": 20}
